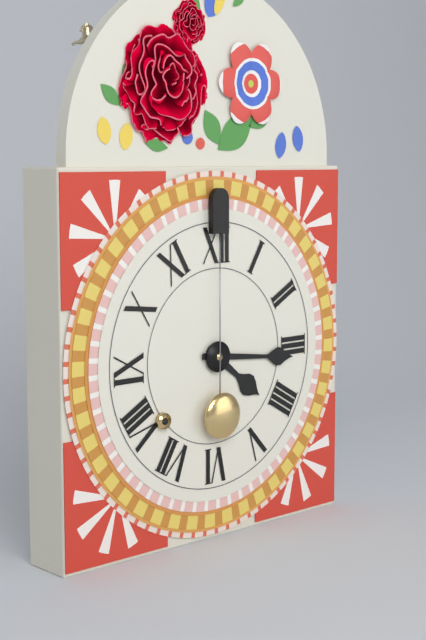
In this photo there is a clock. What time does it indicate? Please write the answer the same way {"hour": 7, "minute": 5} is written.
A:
{"hour": 4, "minute": 16}
